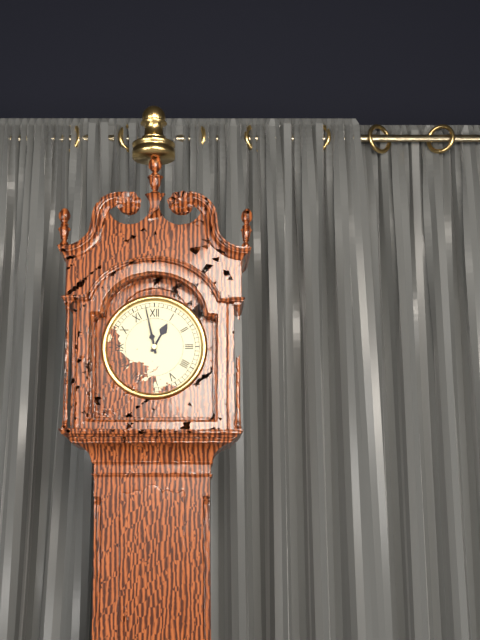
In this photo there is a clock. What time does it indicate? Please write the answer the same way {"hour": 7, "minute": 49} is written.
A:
{"hour": 12, "minute": 58}
